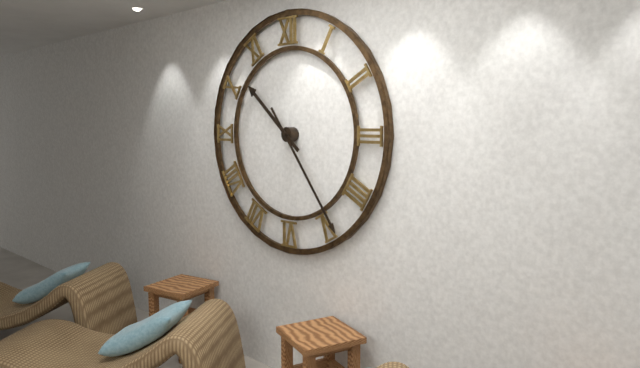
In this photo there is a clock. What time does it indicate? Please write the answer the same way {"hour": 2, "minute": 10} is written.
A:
{"hour": 10, "minute": 24}
